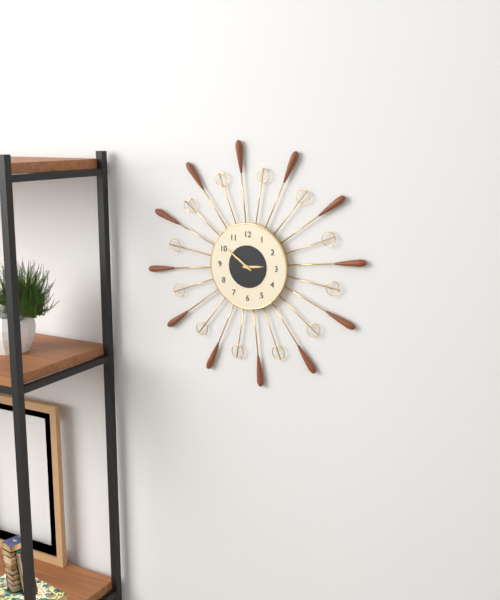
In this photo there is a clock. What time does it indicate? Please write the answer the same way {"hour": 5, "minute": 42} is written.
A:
{"hour": 2, "minute": 51}
